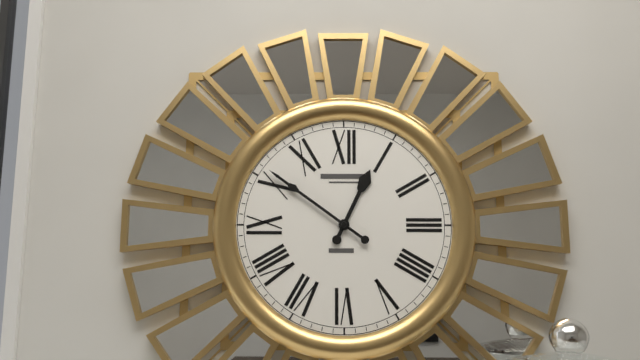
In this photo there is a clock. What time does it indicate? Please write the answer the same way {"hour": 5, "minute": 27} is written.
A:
{"hour": 12, "minute": 51}
